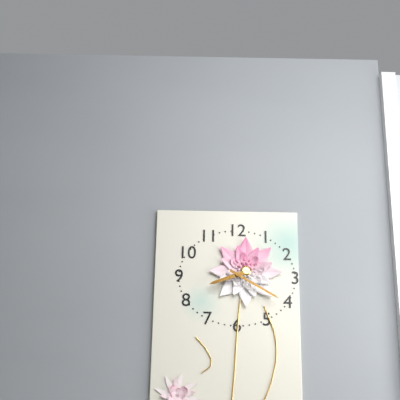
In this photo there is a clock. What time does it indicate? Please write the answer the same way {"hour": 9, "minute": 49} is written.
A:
{"hour": 8, "minute": 20}
